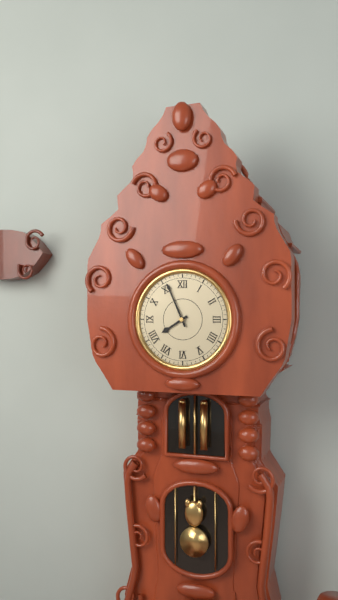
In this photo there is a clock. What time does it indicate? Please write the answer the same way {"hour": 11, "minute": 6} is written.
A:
{"hour": 7, "minute": 56}
